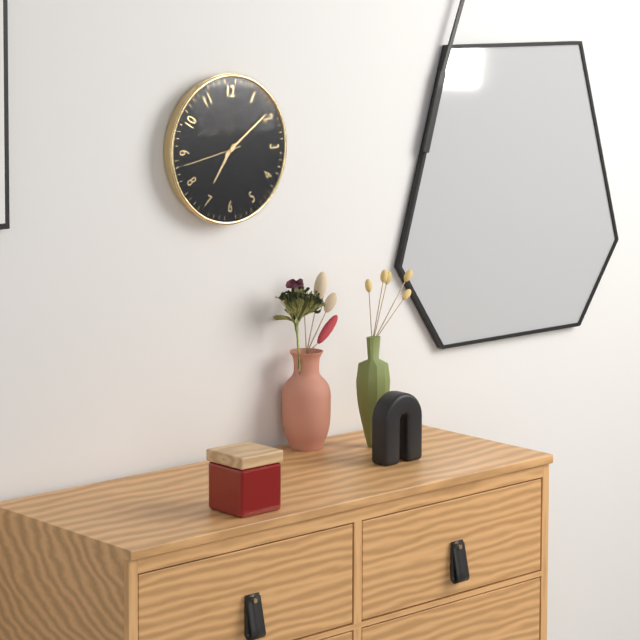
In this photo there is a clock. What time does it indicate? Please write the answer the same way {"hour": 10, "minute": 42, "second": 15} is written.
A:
{"hour": 7, "minute": 9, "second": 43}
